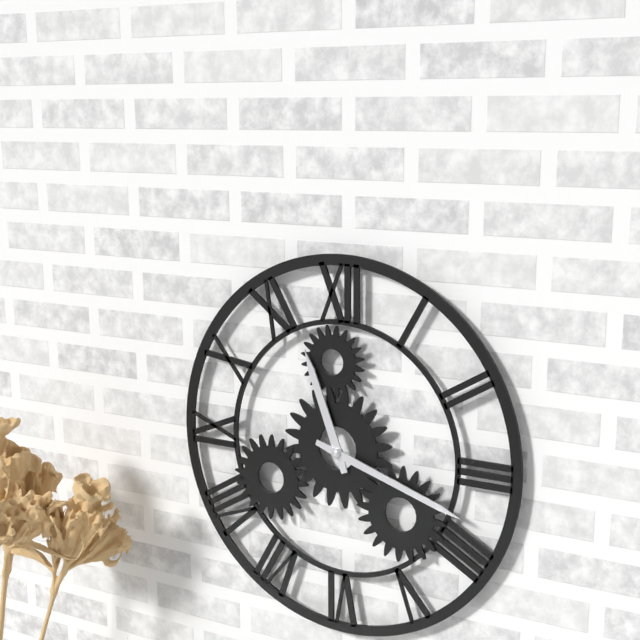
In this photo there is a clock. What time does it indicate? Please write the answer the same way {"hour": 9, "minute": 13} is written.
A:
{"hour": 11, "minute": 18}
